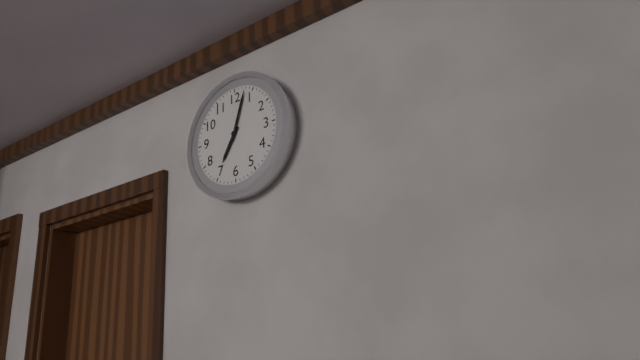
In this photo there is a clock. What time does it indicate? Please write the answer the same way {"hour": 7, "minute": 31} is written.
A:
{"hour": 7, "minute": 3}
